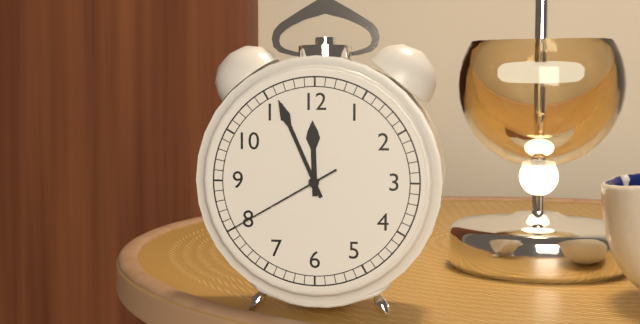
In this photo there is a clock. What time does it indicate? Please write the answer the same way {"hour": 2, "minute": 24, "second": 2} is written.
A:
{"hour": 11, "minute": 56, "second": 40}
